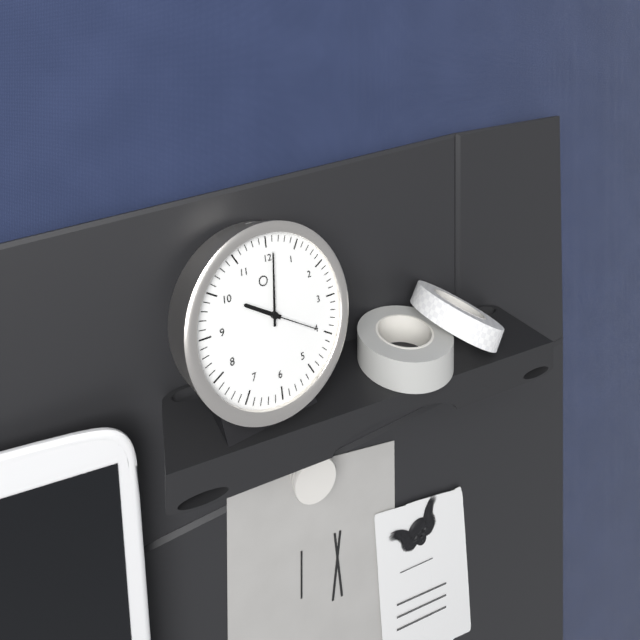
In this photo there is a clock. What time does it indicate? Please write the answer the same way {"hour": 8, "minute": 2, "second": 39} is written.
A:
{"hour": 10, "minute": 1, "second": 20}
